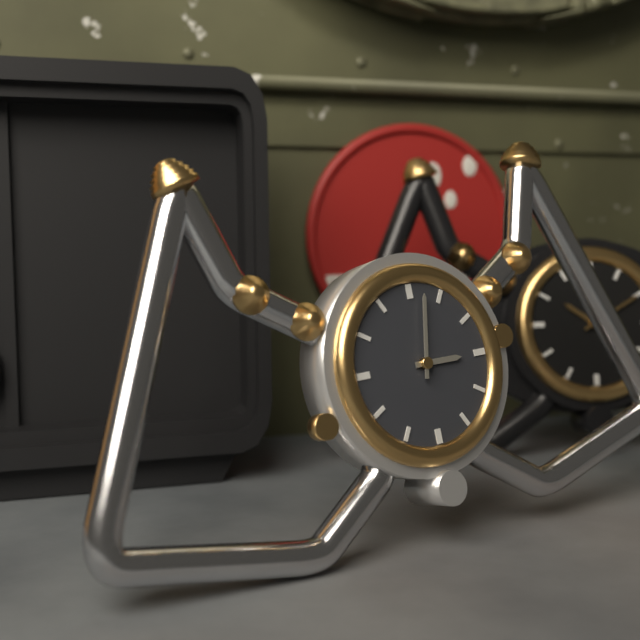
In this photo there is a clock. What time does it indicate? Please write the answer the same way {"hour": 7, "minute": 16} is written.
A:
{"hour": 3, "minute": 2}
